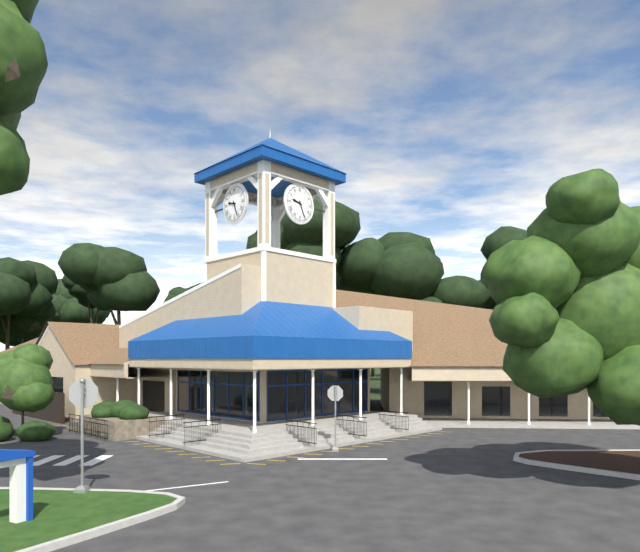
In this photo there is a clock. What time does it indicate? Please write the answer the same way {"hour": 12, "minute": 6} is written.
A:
{"hour": 9, "minute": 26}
